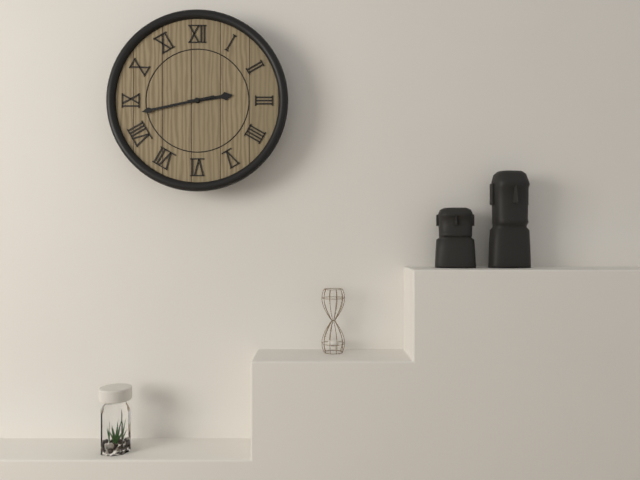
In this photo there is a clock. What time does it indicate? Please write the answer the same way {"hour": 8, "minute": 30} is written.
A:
{"hour": 2, "minute": 43}
